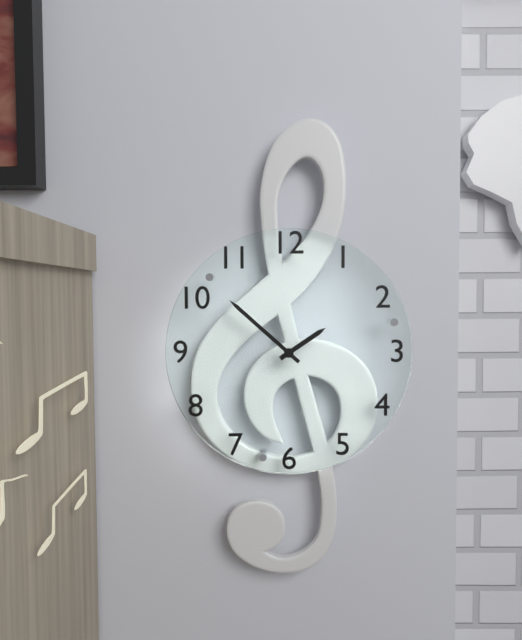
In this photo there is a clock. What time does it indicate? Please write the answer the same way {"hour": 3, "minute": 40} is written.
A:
{"hour": 1, "minute": 52}
